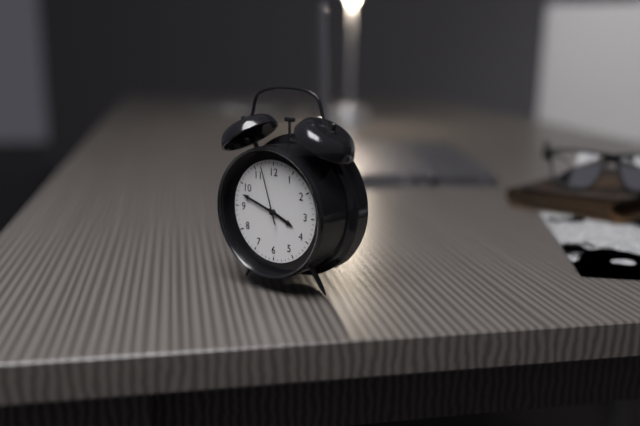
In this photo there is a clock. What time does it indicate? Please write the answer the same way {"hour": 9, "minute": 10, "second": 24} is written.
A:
{"hour": 3, "minute": 48, "second": 57}
